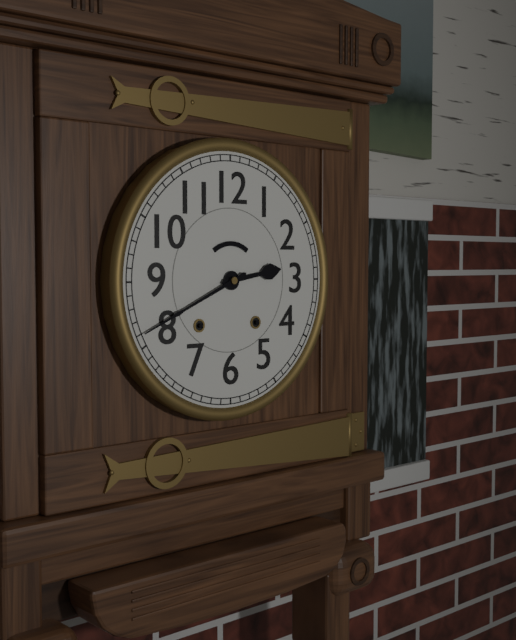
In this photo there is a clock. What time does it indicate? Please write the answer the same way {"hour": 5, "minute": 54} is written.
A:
{"hour": 2, "minute": 41}
